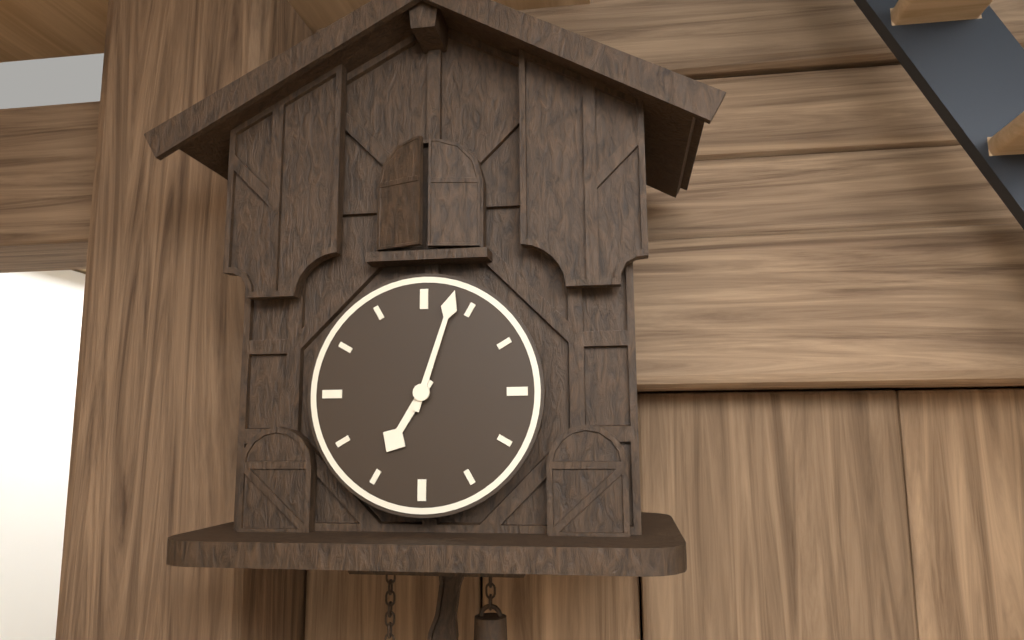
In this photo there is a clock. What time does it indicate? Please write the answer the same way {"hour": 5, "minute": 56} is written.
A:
{"hour": 7, "minute": 3}
